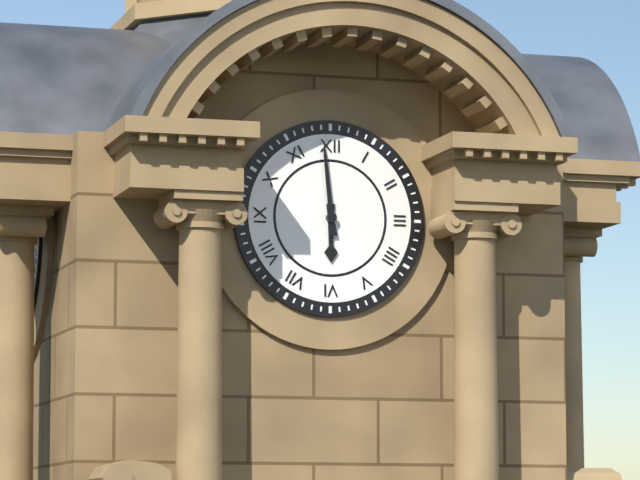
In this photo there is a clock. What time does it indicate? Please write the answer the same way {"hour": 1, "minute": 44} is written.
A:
{"hour": 5, "minute": 59}
